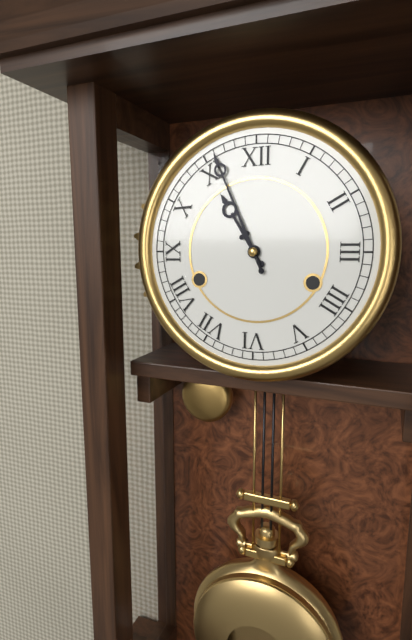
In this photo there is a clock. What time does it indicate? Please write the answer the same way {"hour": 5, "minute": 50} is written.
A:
{"hour": 10, "minute": 56}
